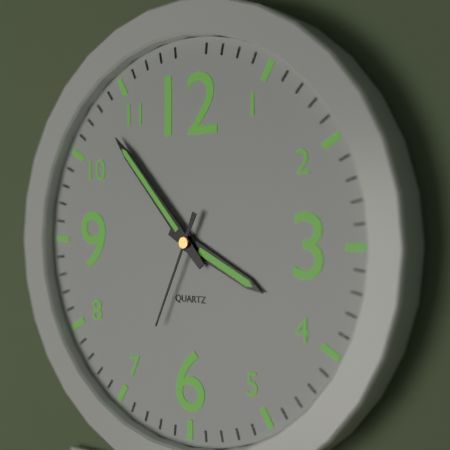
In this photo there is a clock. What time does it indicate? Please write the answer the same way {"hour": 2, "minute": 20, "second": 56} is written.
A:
{"hour": 3, "minute": 53, "second": 34}
